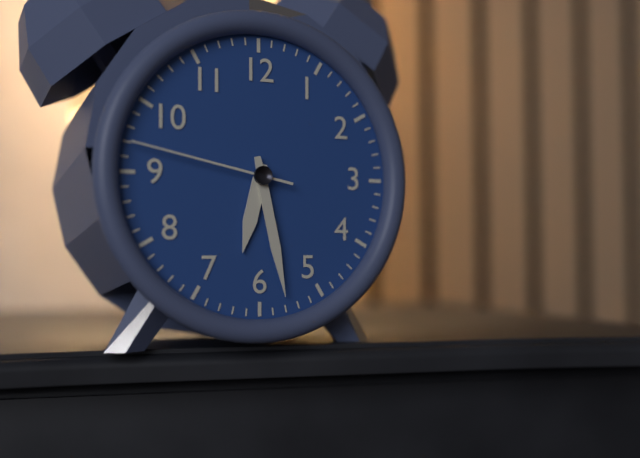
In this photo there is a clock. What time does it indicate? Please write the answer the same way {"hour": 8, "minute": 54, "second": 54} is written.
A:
{"hour": 6, "minute": 28, "second": 47}
